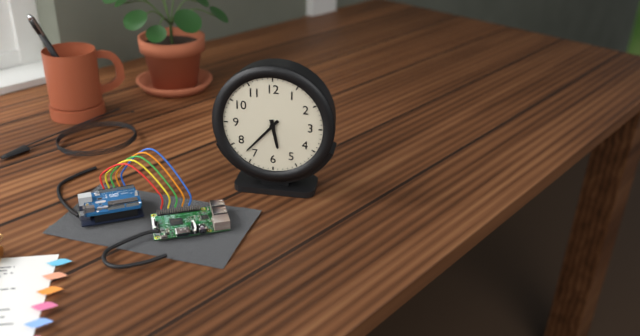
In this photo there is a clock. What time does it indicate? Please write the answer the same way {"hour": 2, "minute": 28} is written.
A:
{"hour": 5, "minute": 37}
